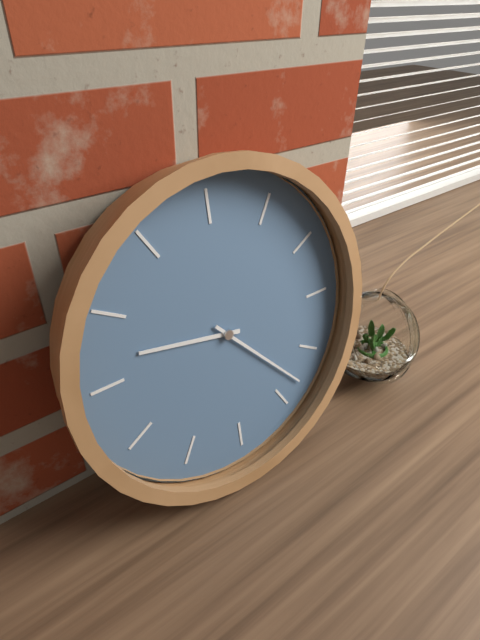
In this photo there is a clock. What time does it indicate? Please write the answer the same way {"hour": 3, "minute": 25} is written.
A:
{"hour": 9, "minute": 23}
